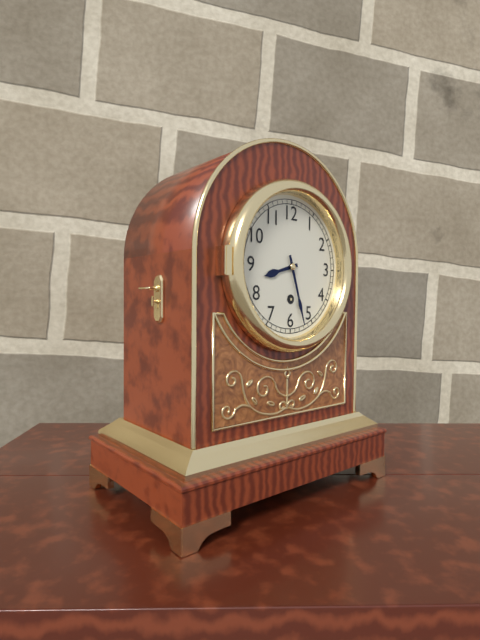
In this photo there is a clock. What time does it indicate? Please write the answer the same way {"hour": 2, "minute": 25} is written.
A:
{"hour": 8, "minute": 27}
